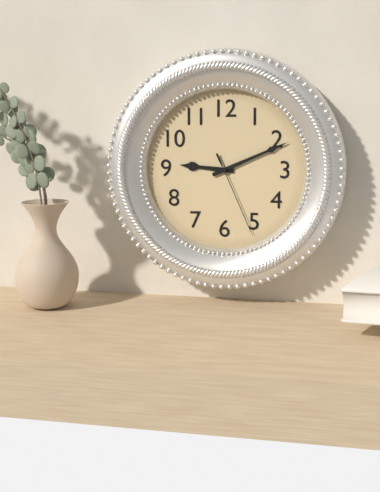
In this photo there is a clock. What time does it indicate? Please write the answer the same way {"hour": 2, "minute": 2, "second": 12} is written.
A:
{"hour": 9, "minute": 11, "second": 26}
